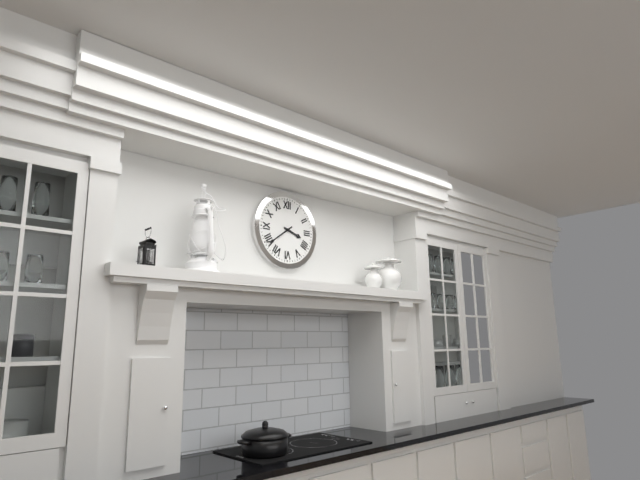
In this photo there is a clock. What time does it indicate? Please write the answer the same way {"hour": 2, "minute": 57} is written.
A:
{"hour": 3, "minute": 39}
